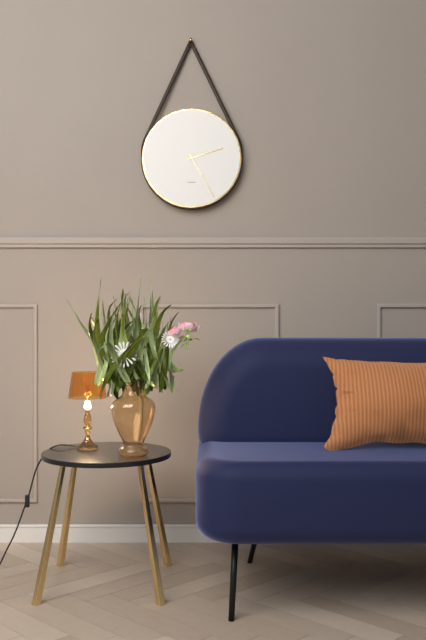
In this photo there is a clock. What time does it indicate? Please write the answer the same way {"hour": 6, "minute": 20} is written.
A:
{"hour": 2, "minute": 25}
